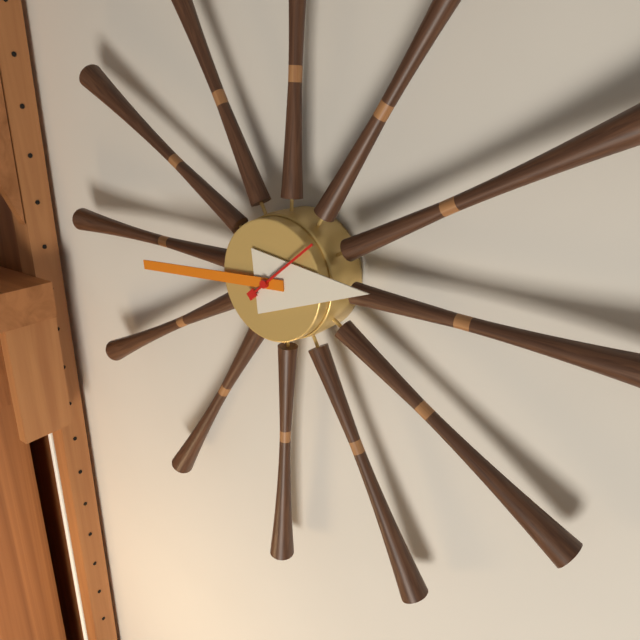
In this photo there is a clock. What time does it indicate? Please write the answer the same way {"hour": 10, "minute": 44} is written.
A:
{"hour": 2, "minute": 44}
